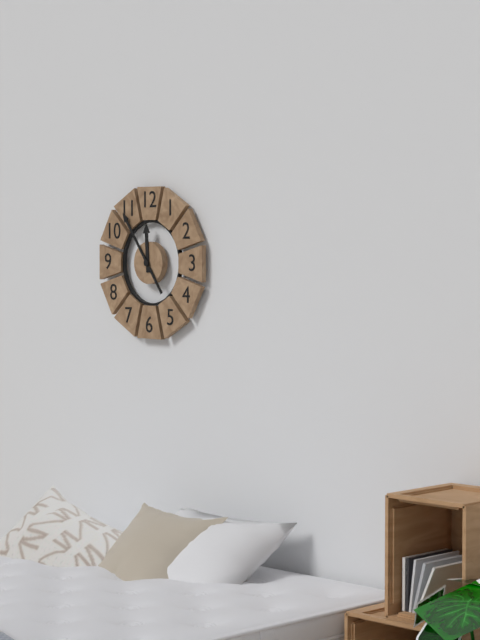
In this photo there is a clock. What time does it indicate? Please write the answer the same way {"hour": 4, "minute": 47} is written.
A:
{"hour": 11, "minute": 54}
